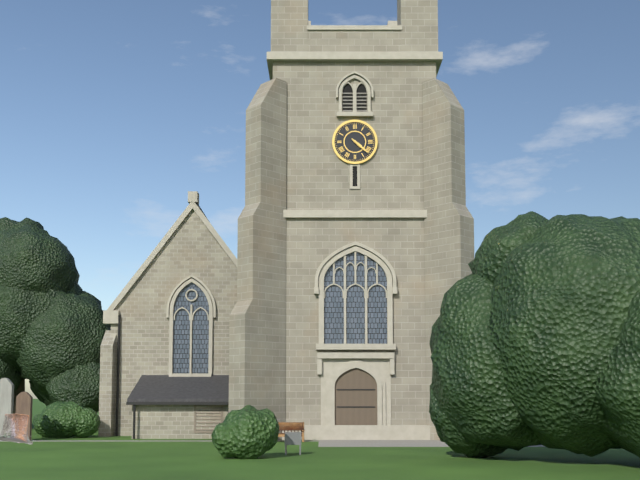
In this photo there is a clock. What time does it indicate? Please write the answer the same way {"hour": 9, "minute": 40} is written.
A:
{"hour": 4, "minute": 22}
